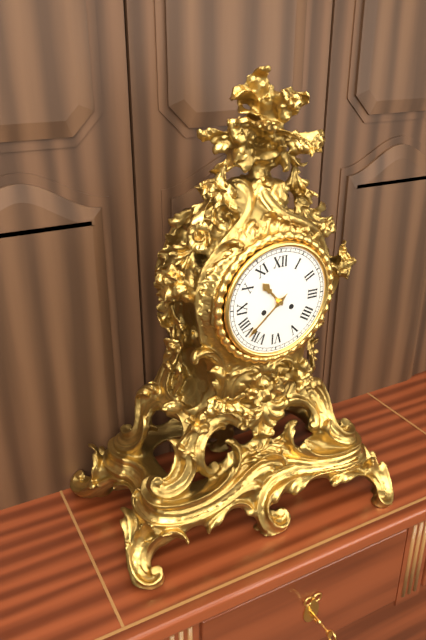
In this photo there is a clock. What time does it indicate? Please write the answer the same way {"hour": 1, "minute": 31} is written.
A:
{"hour": 10, "minute": 38}
